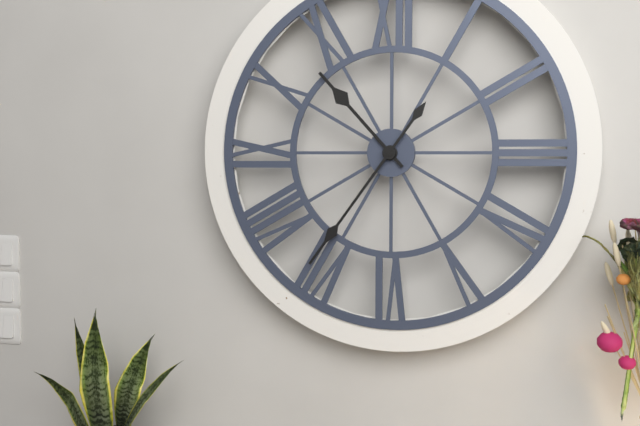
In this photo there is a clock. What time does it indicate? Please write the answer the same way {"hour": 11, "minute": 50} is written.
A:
{"hour": 10, "minute": 36}
